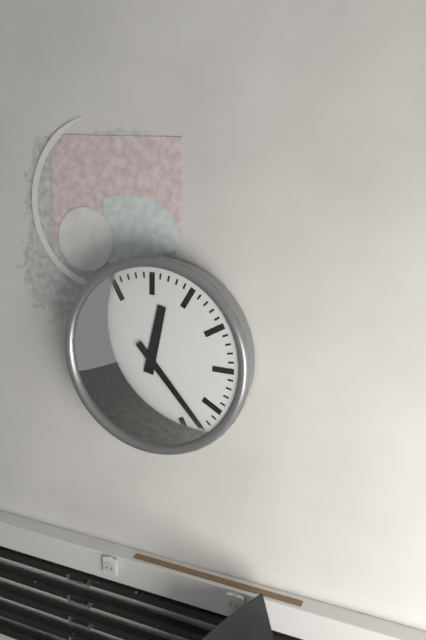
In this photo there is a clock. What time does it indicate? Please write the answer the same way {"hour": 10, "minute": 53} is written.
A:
{"hour": 12, "minute": 23}
